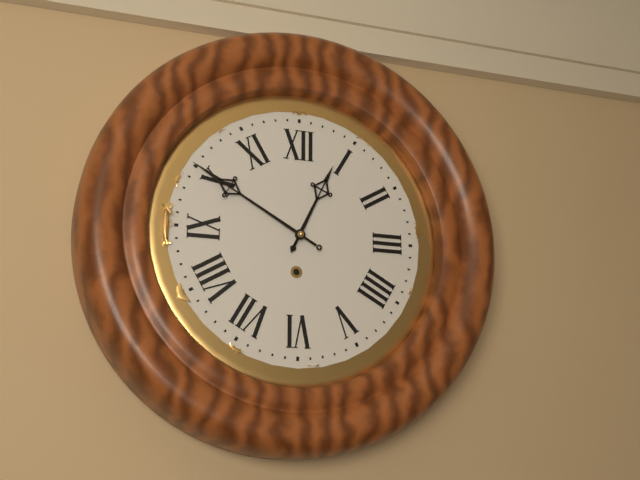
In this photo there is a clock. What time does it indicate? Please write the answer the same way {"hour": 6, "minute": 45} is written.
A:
{"hour": 12, "minute": 50}
